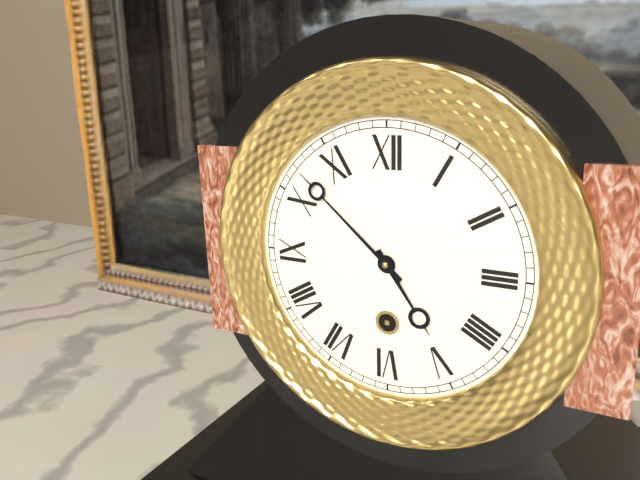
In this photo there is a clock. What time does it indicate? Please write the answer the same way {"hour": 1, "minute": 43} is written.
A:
{"hour": 4, "minute": 52}
